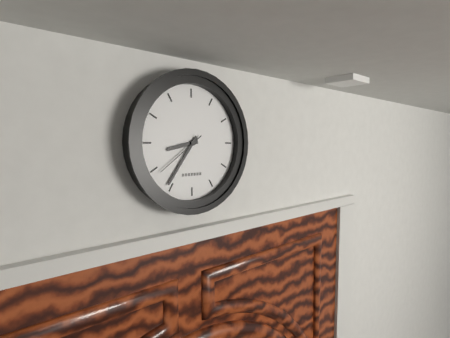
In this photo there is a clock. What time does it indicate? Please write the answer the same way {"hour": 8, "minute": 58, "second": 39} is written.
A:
{"hour": 8, "minute": 36, "second": 39}
